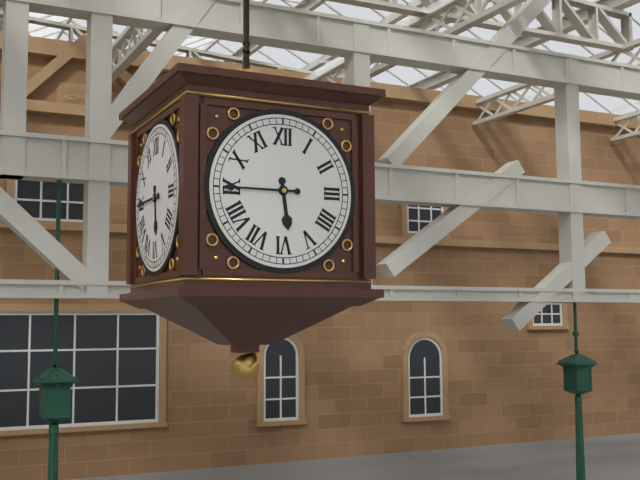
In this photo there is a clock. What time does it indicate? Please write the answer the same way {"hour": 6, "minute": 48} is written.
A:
{"hour": 5, "minute": 45}
